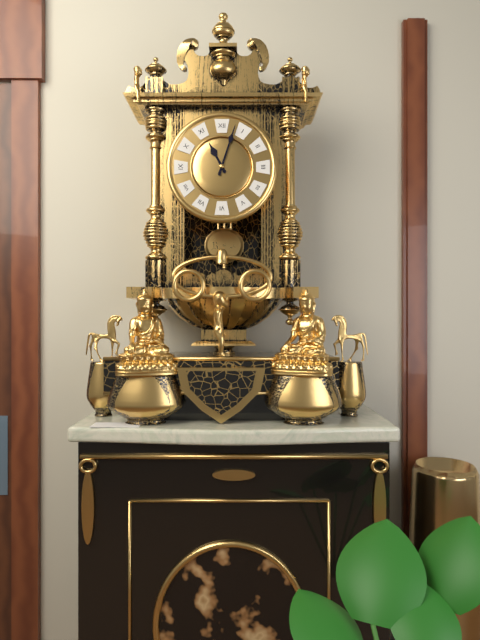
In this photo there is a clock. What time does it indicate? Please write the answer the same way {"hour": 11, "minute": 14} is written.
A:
{"hour": 11, "minute": 3}
